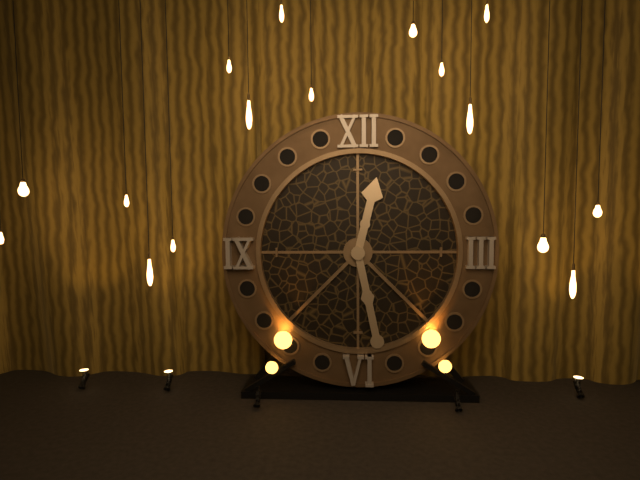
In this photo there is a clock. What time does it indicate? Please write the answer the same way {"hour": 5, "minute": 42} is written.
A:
{"hour": 12, "minute": 28}
